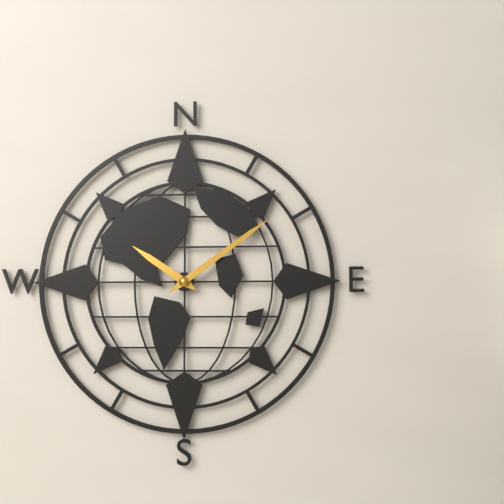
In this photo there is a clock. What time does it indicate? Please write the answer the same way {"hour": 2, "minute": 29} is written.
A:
{"hour": 10, "minute": 9}
